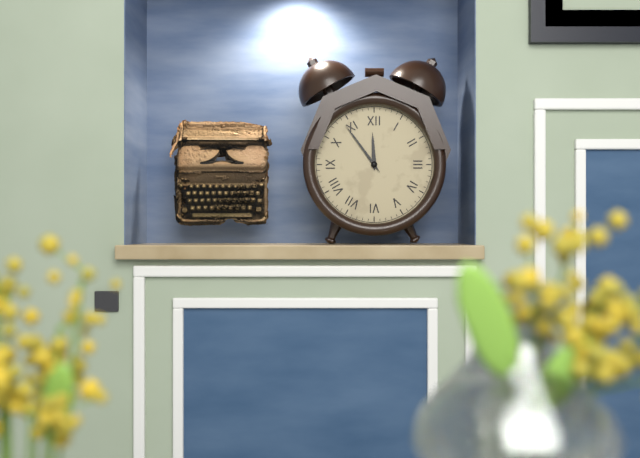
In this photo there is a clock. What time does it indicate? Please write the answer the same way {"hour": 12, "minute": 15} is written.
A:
{"hour": 11, "minute": 54}
